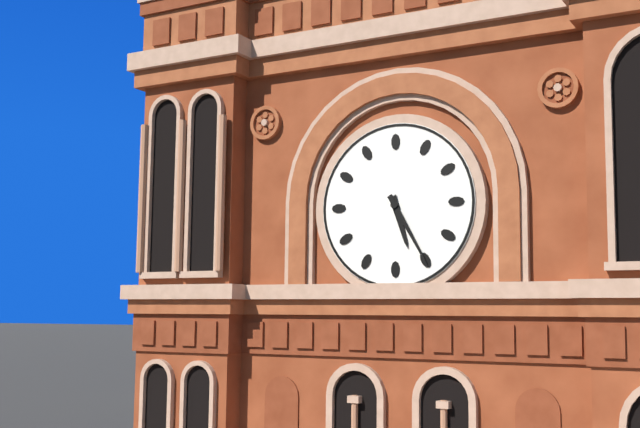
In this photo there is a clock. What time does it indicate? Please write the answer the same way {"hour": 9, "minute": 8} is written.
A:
{"hour": 5, "minute": 25}
